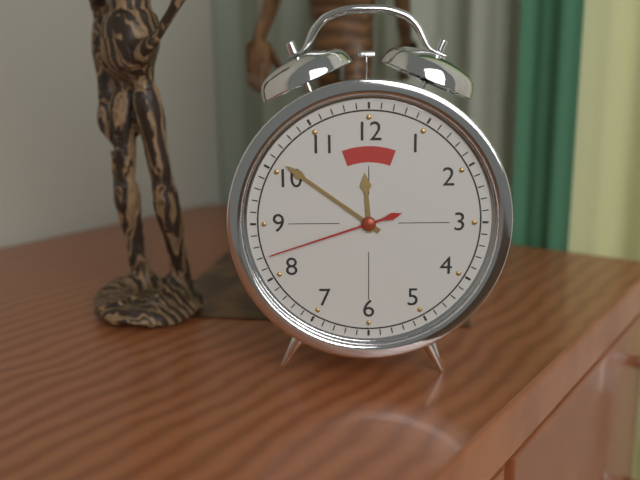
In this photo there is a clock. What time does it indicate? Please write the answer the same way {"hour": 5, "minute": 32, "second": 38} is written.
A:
{"hour": 11, "minute": 51, "second": 42}
